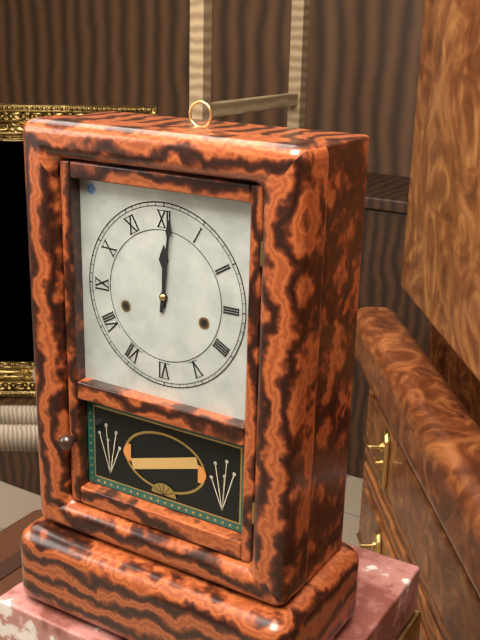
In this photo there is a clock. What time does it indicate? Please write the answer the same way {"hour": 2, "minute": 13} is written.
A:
{"hour": 12, "minute": 1}
